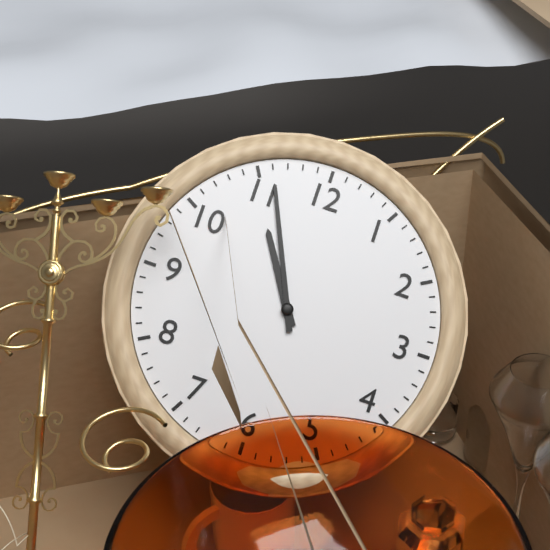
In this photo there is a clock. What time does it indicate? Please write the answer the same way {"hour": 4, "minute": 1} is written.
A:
{"hour": 10, "minute": 56}
